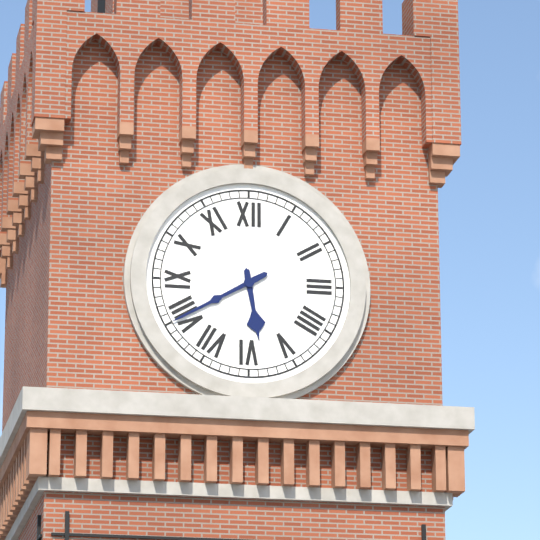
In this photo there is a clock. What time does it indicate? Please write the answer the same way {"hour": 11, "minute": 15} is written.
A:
{"hour": 5, "minute": 40}
